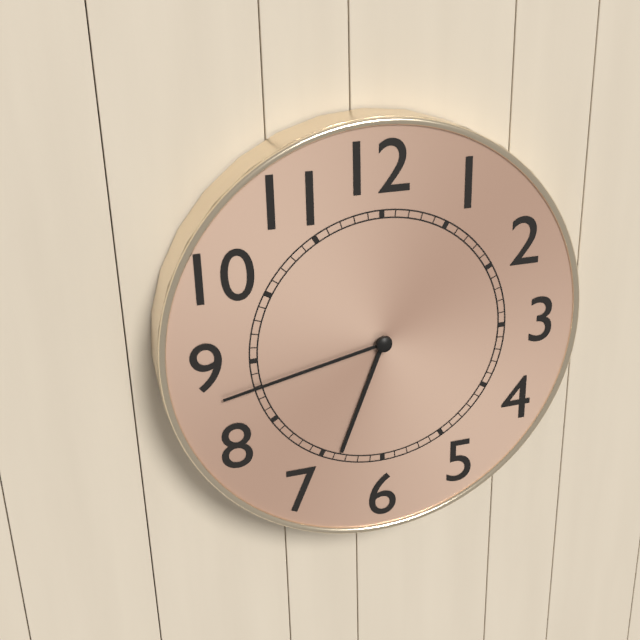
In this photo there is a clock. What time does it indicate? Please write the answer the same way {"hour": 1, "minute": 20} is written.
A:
{"hour": 6, "minute": 43}
